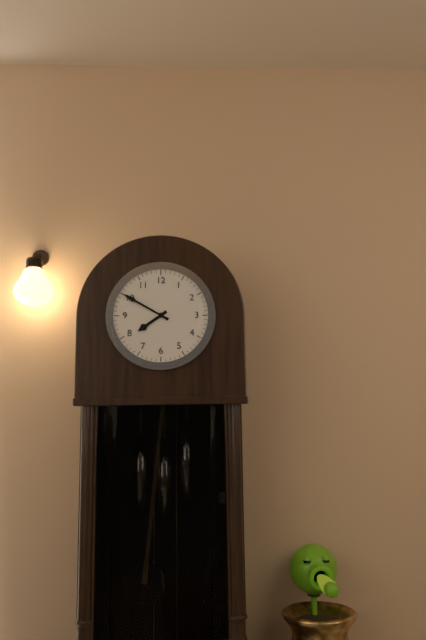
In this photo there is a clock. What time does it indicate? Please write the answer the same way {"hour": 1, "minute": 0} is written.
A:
{"hour": 7, "minute": 50}
